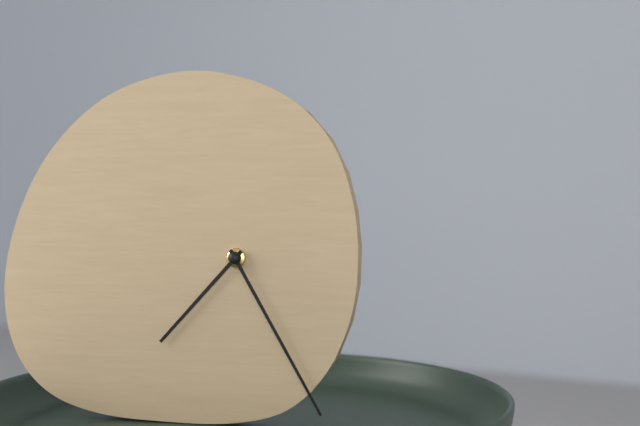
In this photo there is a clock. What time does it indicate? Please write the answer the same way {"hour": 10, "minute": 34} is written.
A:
{"hour": 7, "minute": 25}
